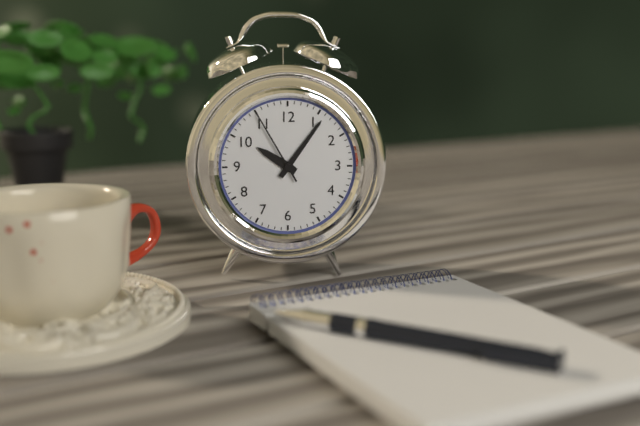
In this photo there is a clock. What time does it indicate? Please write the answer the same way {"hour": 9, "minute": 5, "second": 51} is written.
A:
{"hour": 10, "minute": 6, "second": 55}
